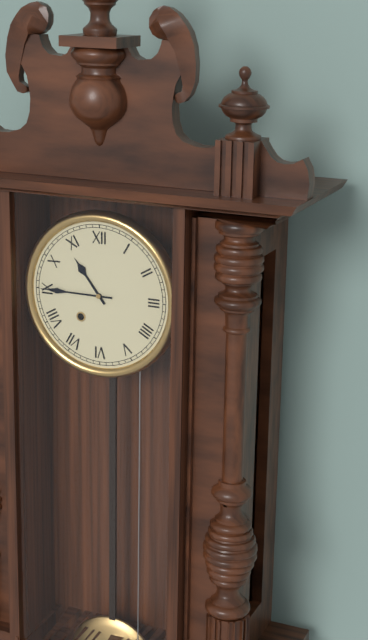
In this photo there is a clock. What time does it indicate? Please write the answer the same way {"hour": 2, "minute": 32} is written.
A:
{"hour": 10, "minute": 45}
